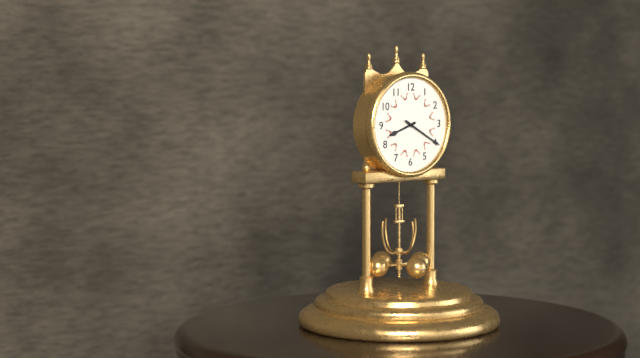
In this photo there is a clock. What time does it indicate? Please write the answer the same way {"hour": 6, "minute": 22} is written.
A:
{"hour": 8, "minute": 20}
